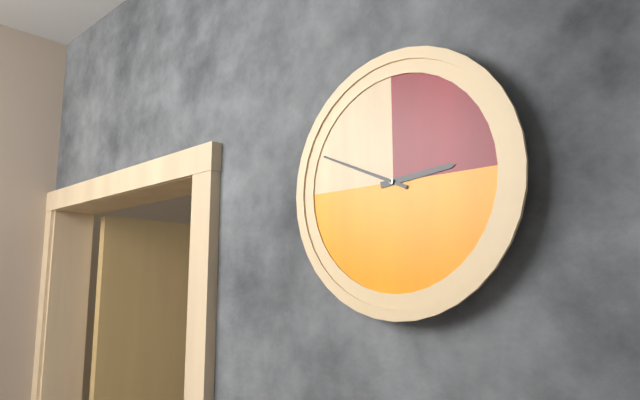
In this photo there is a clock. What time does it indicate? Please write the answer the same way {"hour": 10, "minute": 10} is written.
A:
{"hour": 2, "minute": 49}
